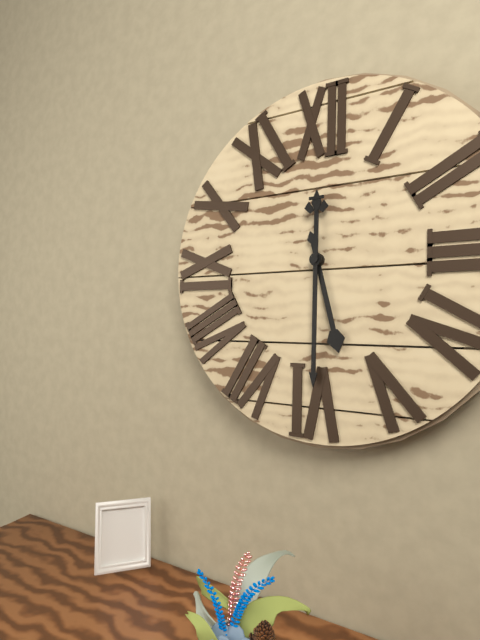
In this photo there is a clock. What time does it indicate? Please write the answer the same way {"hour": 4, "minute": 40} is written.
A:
{"hour": 5, "minute": 30}
